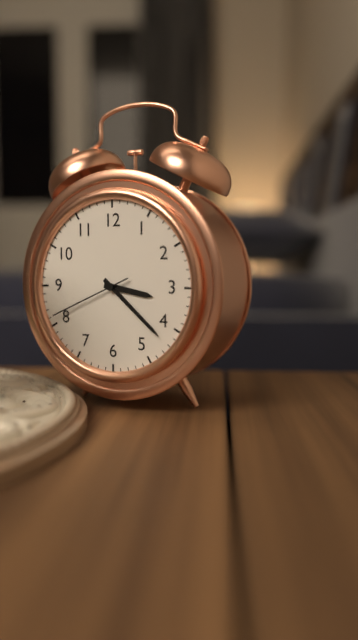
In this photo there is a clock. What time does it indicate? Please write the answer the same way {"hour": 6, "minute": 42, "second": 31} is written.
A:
{"hour": 3, "minute": 22, "second": 41}
